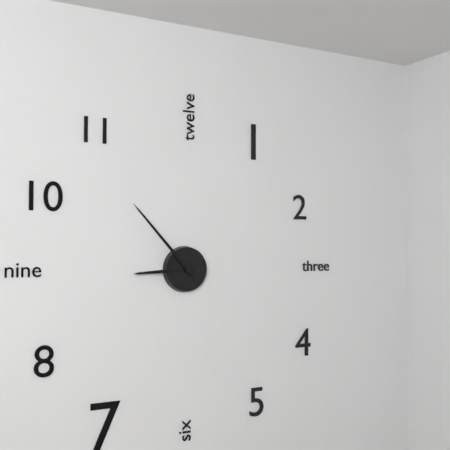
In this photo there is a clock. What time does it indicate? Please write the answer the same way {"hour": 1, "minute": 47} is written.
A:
{"hour": 8, "minute": 53}
